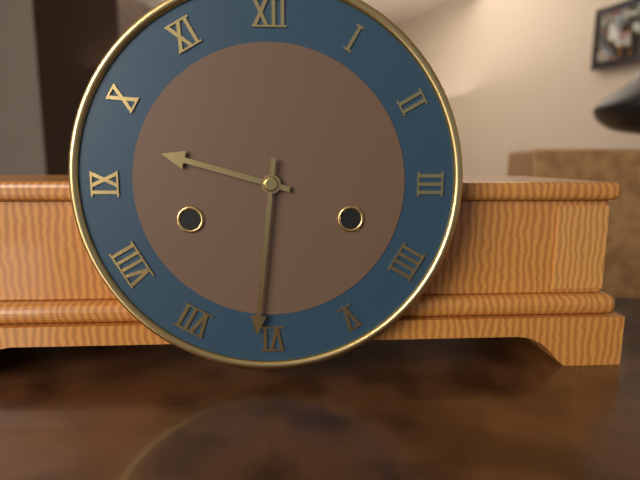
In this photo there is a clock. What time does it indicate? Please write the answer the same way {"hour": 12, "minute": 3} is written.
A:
{"hour": 9, "minute": 31}
